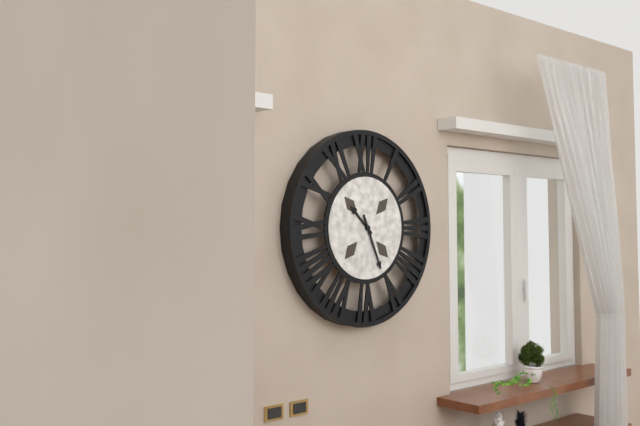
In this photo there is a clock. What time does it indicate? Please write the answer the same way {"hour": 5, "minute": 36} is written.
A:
{"hour": 10, "minute": 26}
